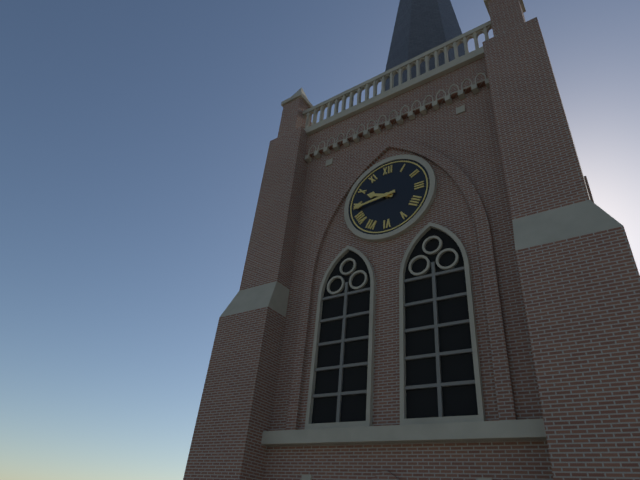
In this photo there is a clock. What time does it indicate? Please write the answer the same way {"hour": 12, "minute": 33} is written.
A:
{"hour": 9, "minute": 44}
